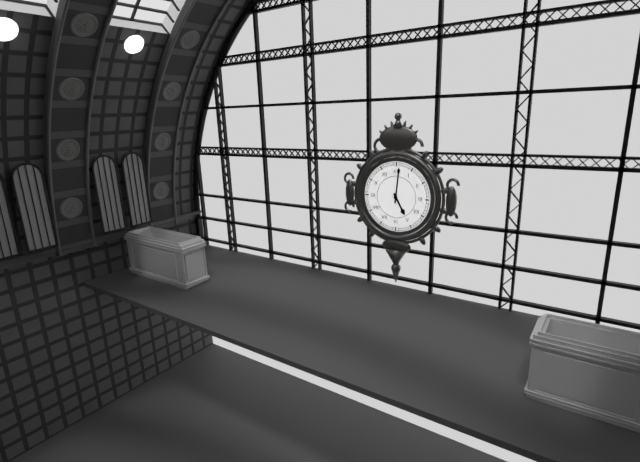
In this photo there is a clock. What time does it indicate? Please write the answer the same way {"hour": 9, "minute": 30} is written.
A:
{"hour": 5, "minute": 1}
